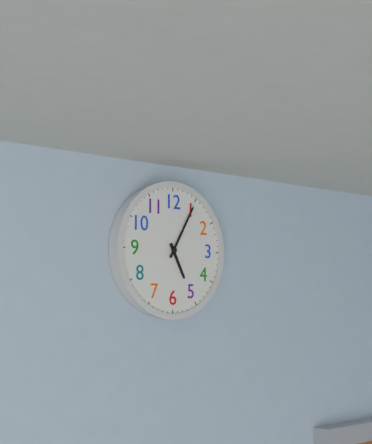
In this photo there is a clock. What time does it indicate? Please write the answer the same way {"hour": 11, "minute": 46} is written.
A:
{"hour": 5, "minute": 5}
